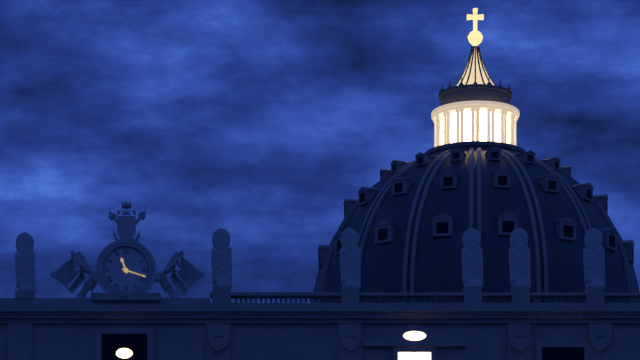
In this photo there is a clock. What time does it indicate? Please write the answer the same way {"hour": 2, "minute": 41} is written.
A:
{"hour": 11, "minute": 18}
